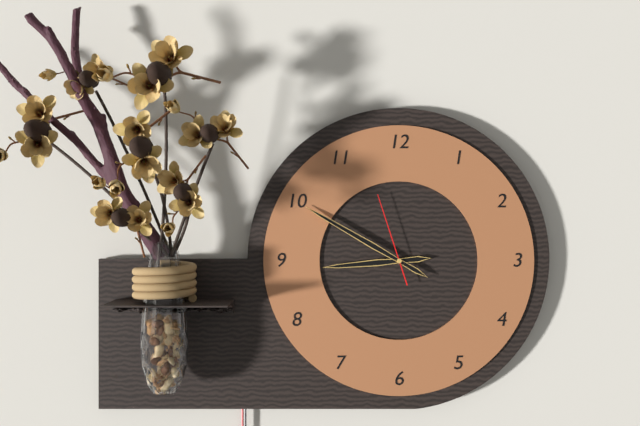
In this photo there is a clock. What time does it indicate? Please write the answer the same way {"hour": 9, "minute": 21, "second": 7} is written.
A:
{"hour": 8, "minute": 50, "second": 57}
